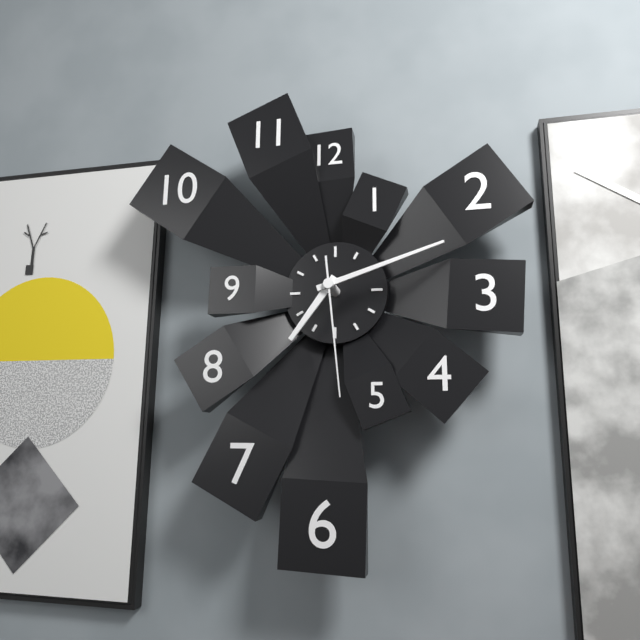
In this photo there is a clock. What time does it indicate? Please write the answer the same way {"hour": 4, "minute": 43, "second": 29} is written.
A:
{"hour": 7, "minute": 12, "second": 29}
